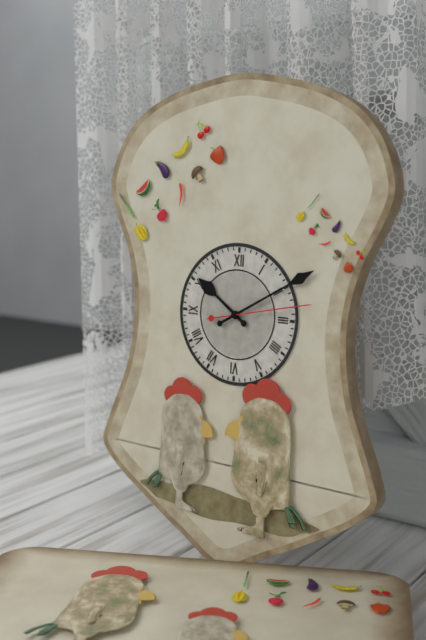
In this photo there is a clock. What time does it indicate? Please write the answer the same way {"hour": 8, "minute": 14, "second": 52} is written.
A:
{"hour": 10, "minute": 10, "second": 13}
